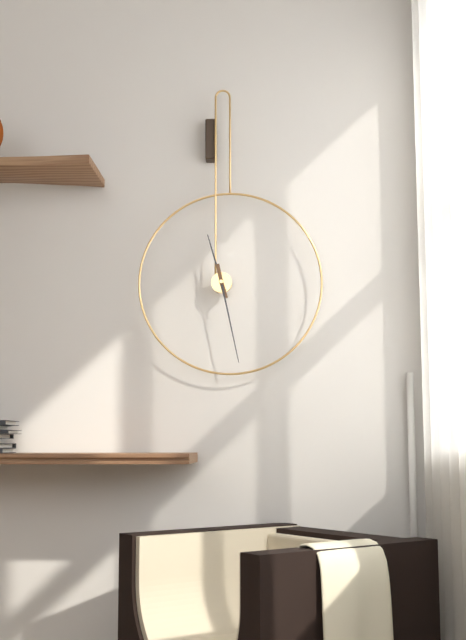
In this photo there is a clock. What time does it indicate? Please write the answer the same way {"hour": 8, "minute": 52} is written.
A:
{"hour": 11, "minute": 28}
